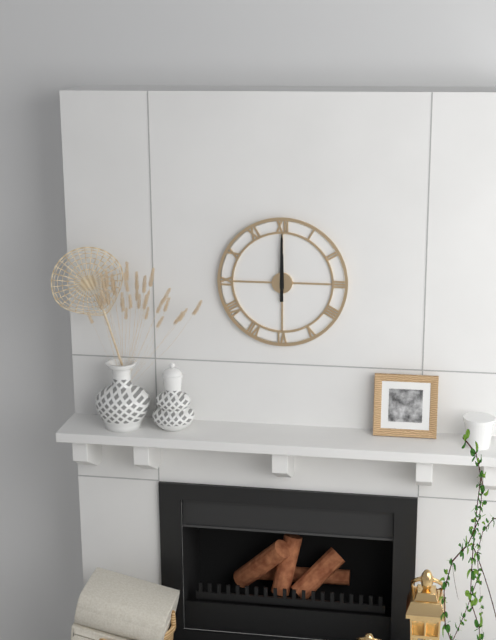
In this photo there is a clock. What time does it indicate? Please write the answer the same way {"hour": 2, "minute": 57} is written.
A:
{"hour": 12, "minute": 0}
